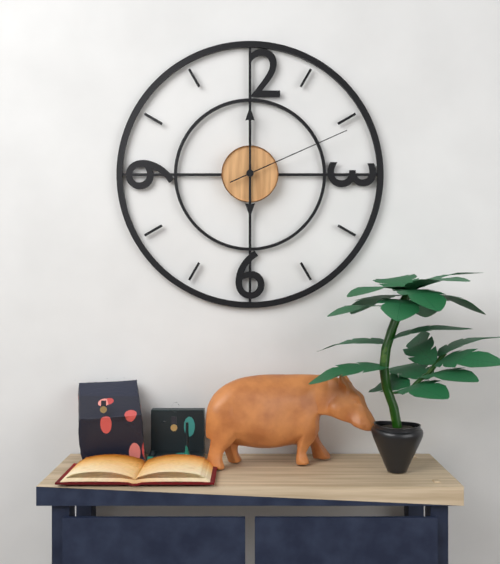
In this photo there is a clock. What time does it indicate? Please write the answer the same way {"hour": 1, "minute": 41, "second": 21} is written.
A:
{"hour": 6, "minute": 0, "second": 11}
